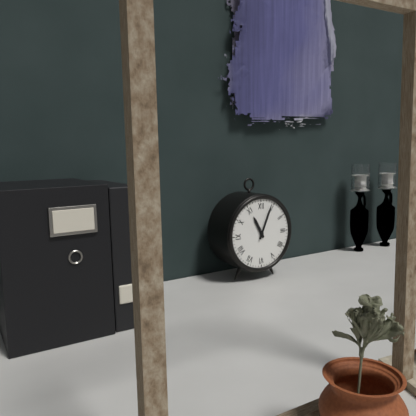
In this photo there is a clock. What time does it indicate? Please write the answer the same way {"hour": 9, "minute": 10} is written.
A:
{"hour": 11, "minute": 4}
